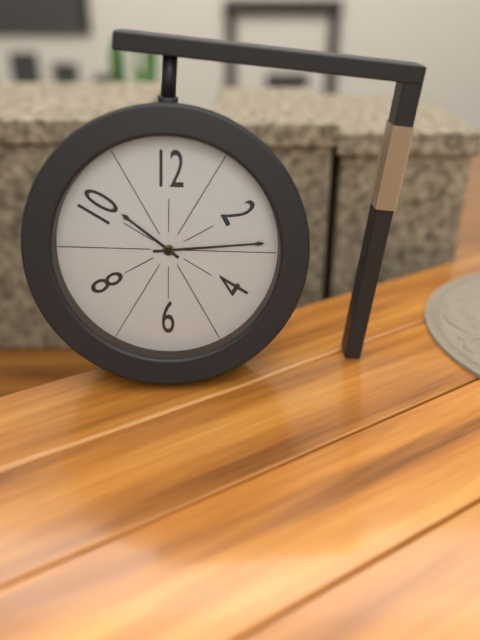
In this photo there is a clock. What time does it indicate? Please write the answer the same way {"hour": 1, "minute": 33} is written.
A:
{"hour": 10, "minute": 14}
